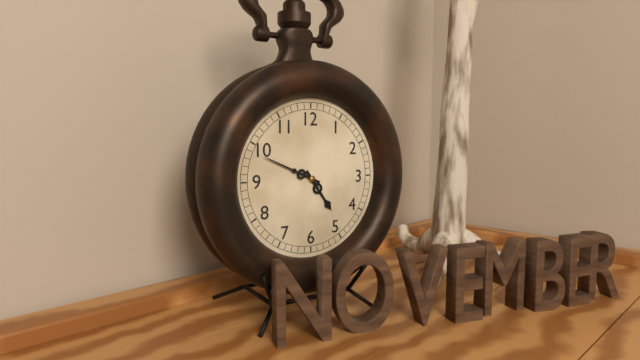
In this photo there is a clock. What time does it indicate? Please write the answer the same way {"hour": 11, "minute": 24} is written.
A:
{"hour": 4, "minute": 49}
